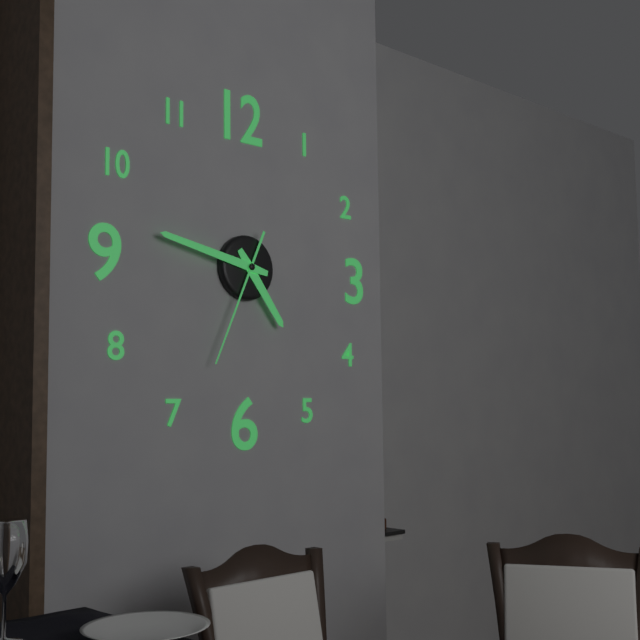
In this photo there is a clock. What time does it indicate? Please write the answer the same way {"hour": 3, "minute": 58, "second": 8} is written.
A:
{"hour": 4, "minute": 47, "second": 34}
